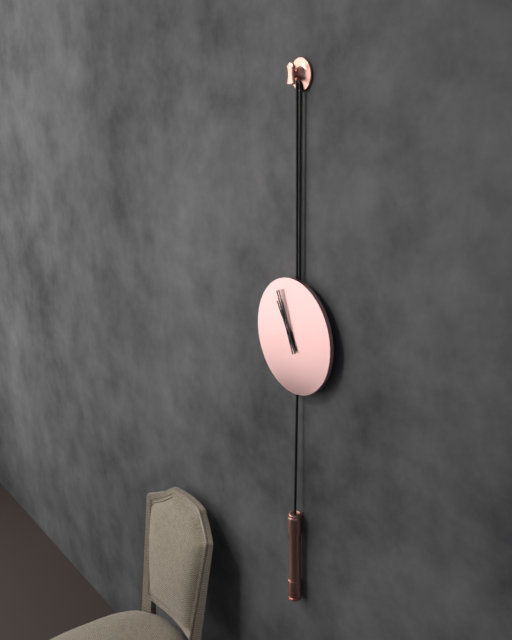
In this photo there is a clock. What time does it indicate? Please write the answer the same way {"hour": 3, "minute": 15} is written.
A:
{"hour": 10, "minute": 56}
